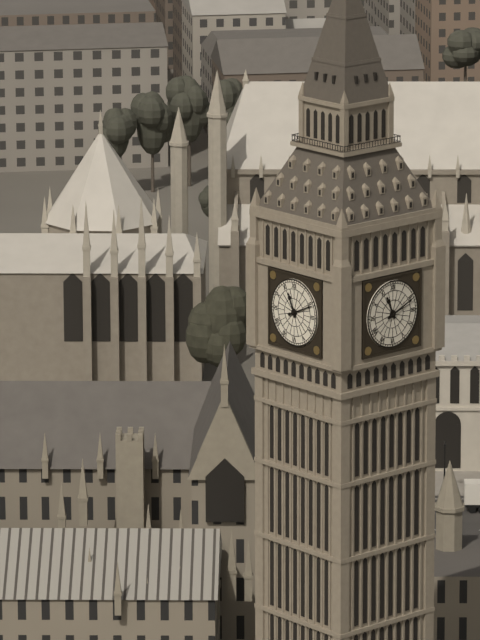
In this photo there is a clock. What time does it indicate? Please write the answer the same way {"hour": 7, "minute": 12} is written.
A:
{"hour": 11, "minute": 11}
